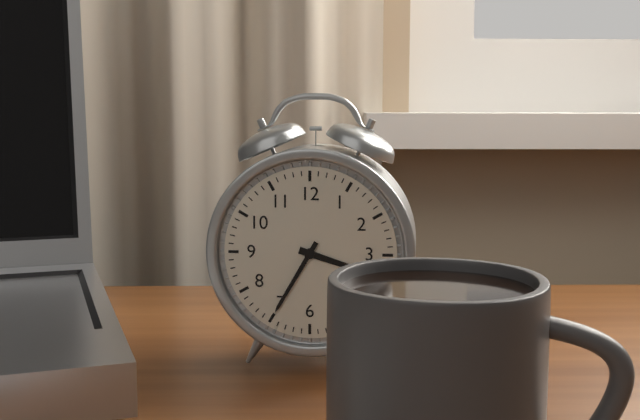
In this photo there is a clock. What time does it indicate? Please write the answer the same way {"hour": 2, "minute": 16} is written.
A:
{"hour": 3, "minute": 35}
